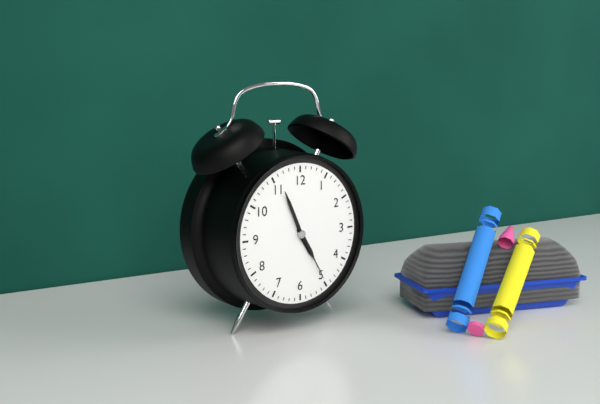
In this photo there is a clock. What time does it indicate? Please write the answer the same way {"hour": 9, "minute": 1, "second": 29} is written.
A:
{"hour": 4, "minute": 56, "second": 25}
